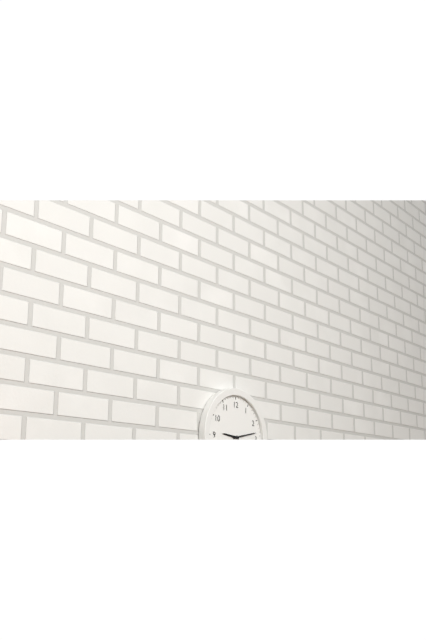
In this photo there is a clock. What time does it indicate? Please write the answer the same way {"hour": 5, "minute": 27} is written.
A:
{"hour": 9, "minute": 13}
